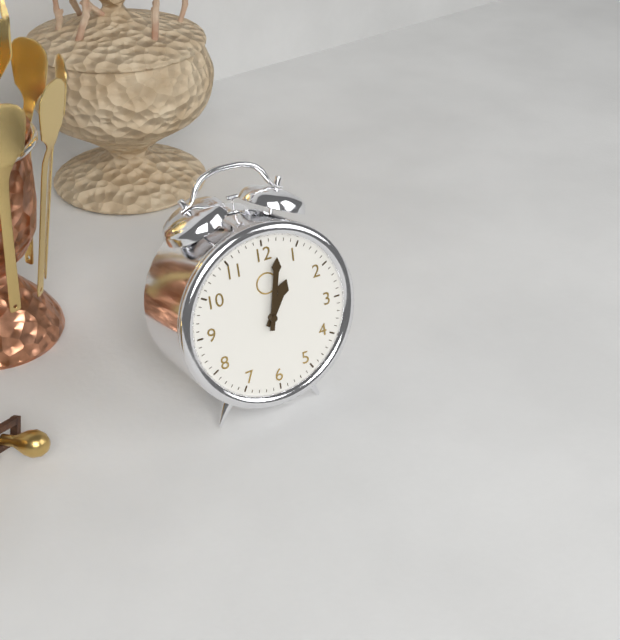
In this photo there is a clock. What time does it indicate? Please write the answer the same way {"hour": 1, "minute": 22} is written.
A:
{"hour": 1, "minute": 2}
